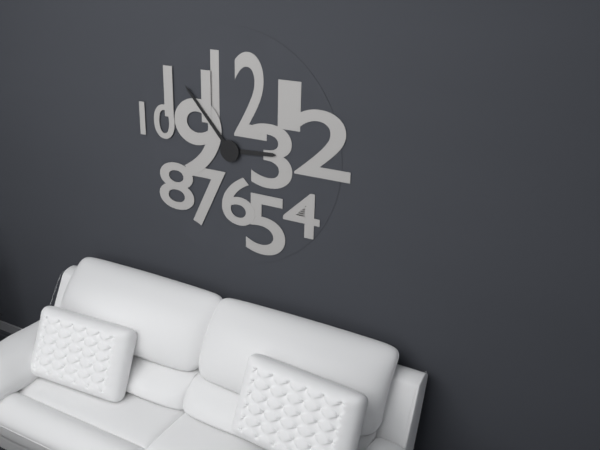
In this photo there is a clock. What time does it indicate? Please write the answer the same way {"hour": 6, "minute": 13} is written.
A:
{"hour": 2, "minute": 53}
